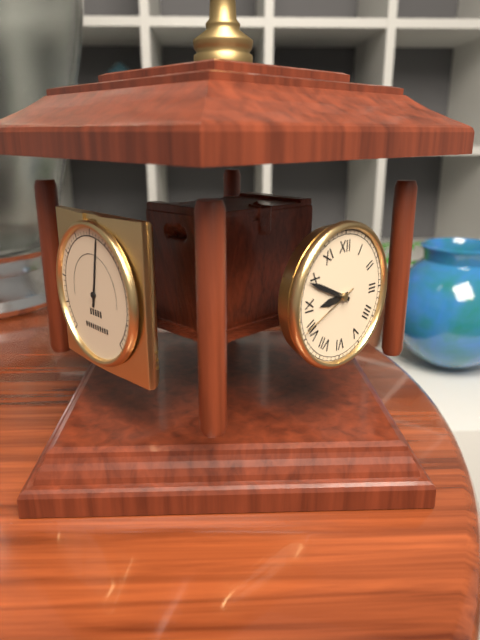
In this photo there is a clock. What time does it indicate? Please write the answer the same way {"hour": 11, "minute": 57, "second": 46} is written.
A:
{"hour": 8, "minute": 49, "second": 41}
